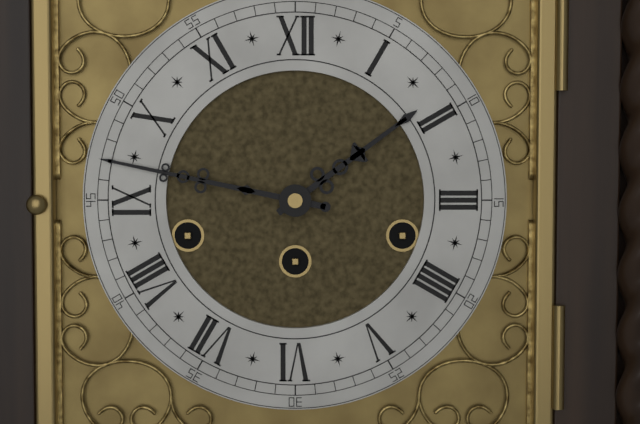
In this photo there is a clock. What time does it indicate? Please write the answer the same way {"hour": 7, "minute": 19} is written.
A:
{"hour": 1, "minute": 47}
